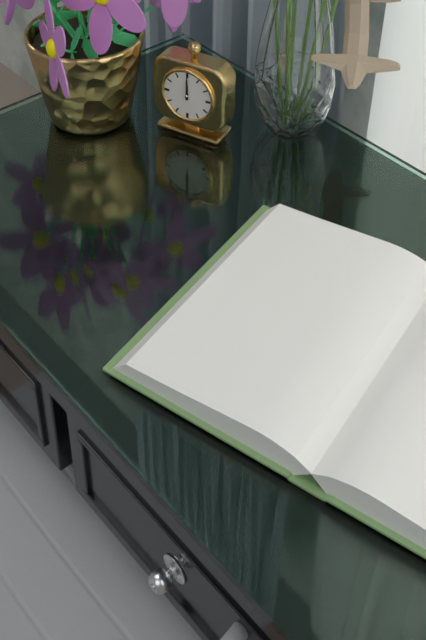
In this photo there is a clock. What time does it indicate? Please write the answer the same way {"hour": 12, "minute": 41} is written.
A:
{"hour": 12, "minute": 0}
